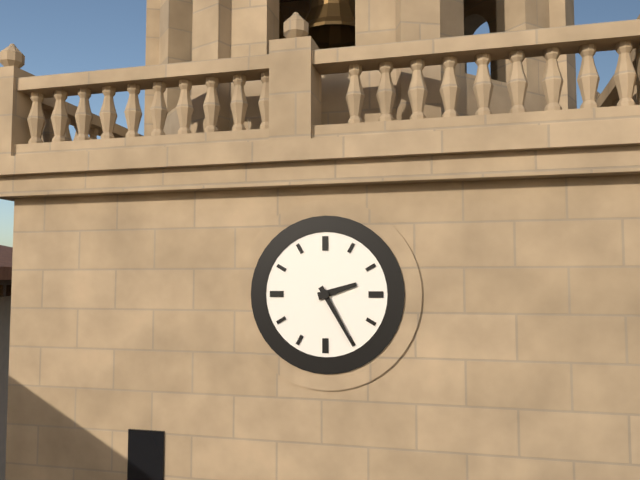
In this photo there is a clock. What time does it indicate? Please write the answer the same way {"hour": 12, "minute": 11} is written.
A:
{"hour": 2, "minute": 25}
